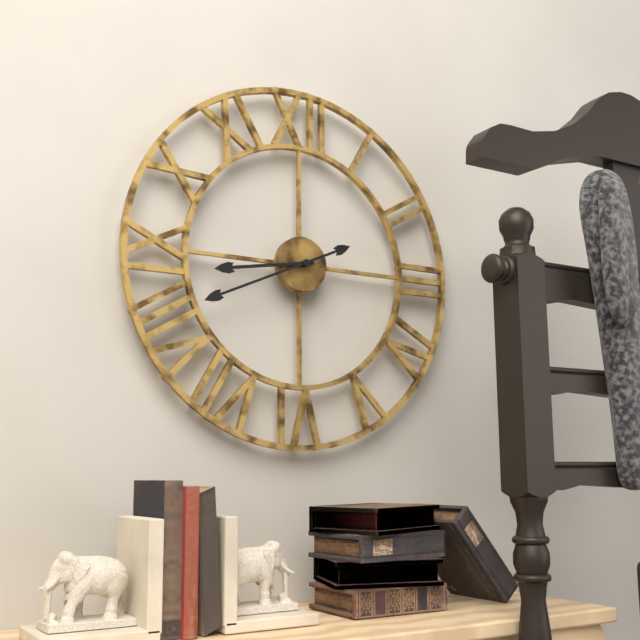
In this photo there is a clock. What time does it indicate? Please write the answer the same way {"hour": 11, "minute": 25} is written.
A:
{"hour": 8, "minute": 41}
